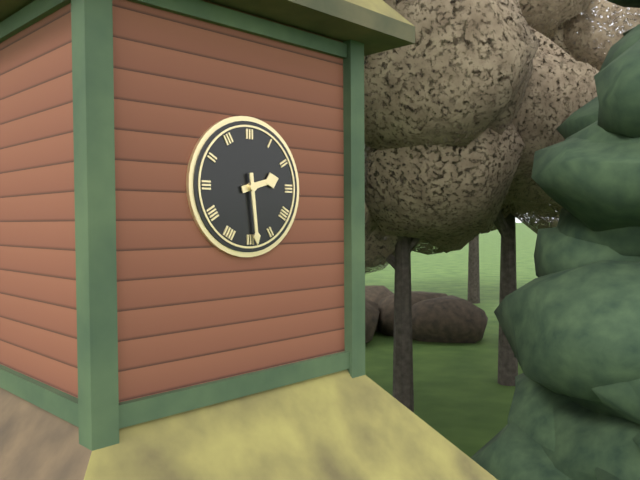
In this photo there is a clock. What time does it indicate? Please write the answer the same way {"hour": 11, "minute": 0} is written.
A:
{"hour": 2, "minute": 29}
